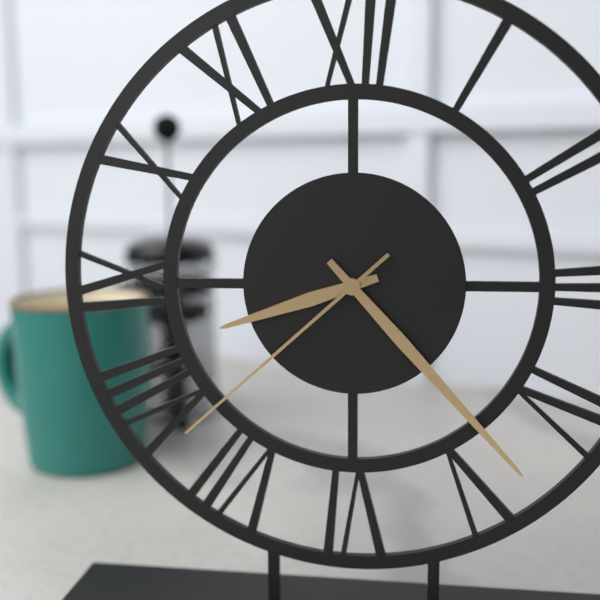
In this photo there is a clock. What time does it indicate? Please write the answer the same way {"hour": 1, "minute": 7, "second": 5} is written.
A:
{"hour": 8, "minute": 23, "second": 38}
